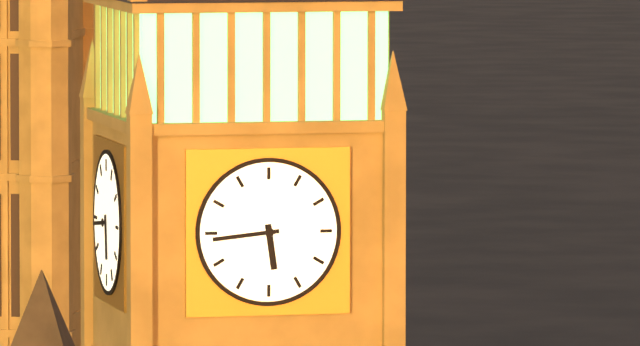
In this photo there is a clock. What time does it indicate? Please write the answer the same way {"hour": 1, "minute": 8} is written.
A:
{"hour": 5, "minute": 44}
